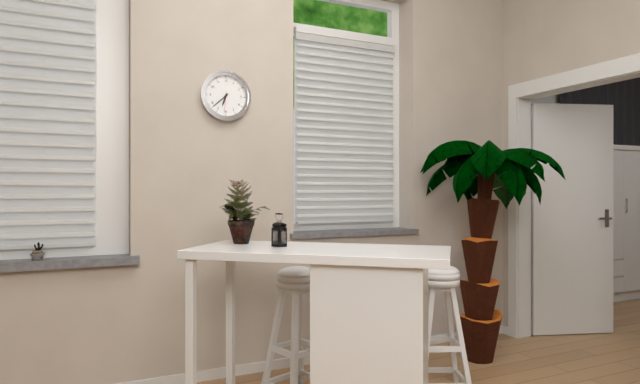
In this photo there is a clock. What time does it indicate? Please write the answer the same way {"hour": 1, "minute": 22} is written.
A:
{"hour": 6, "minute": 38}
